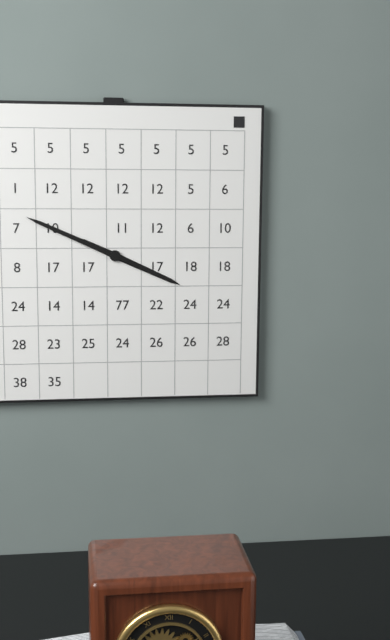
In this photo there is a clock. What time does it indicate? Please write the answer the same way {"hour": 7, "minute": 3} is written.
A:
{"hour": 3, "minute": 49}
